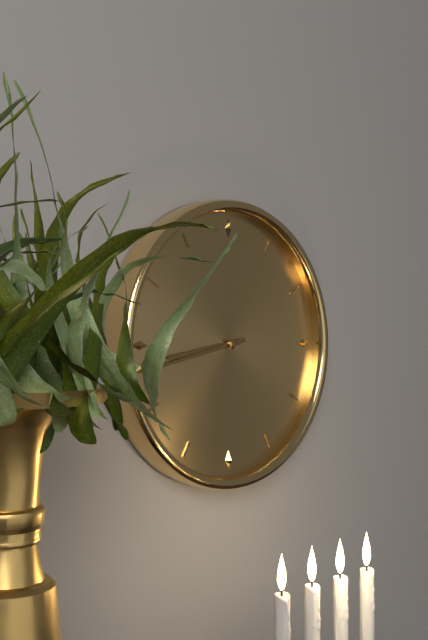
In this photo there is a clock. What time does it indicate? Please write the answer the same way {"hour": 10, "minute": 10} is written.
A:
{"hour": 8, "minute": 43}
